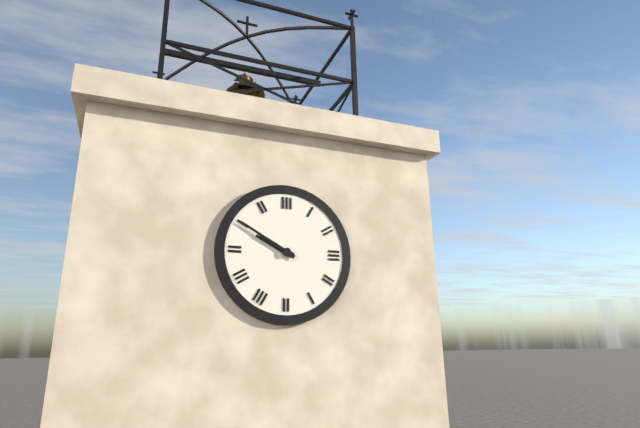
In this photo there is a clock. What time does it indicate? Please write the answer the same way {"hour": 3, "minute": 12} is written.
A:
{"hour": 9, "minute": 50}
